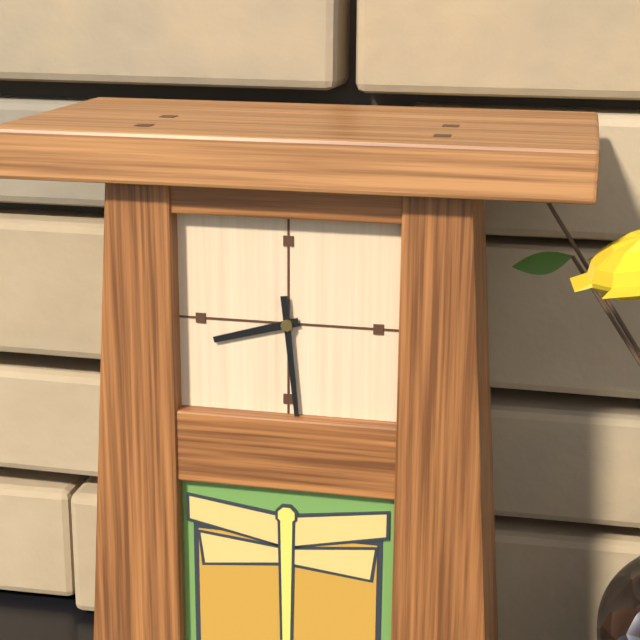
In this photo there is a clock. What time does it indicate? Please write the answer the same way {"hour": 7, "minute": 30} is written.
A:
{"hour": 8, "minute": 29}
